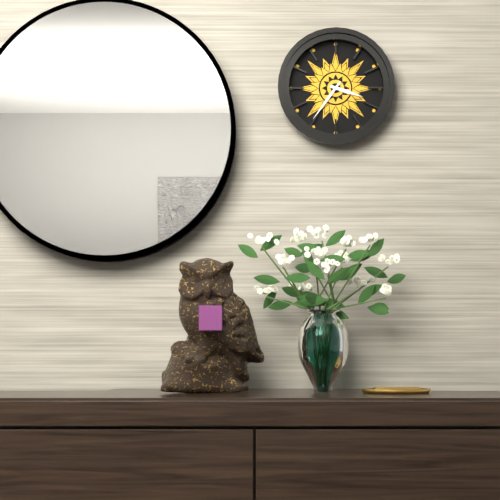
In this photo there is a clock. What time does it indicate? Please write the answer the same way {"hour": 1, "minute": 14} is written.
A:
{"hour": 3, "minute": 36}
